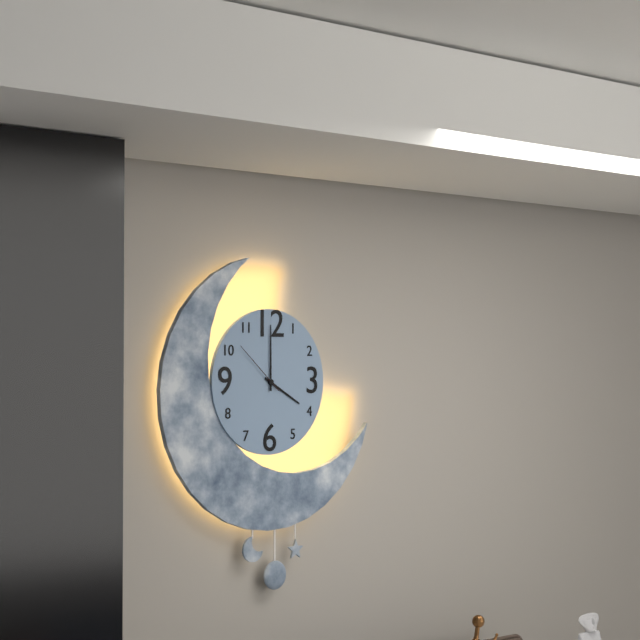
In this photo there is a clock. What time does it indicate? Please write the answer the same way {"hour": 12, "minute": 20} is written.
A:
{"hour": 4, "minute": 0}
